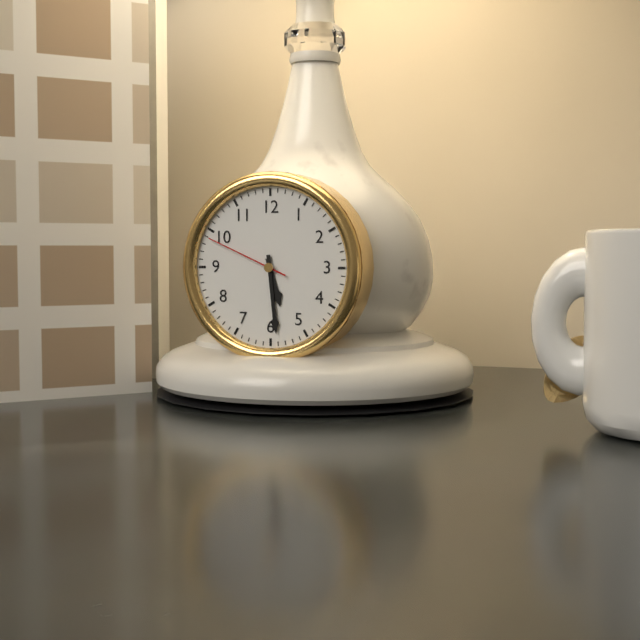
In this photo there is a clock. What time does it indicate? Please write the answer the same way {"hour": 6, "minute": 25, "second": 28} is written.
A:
{"hour": 5, "minute": 29, "second": 49}
